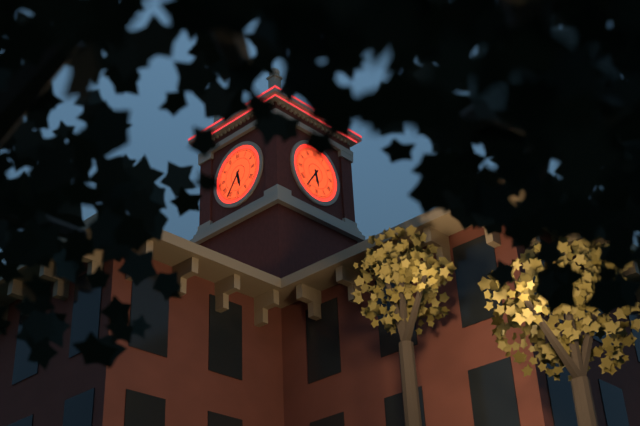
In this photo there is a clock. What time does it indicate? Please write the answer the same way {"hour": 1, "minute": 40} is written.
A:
{"hour": 5, "minute": 36}
